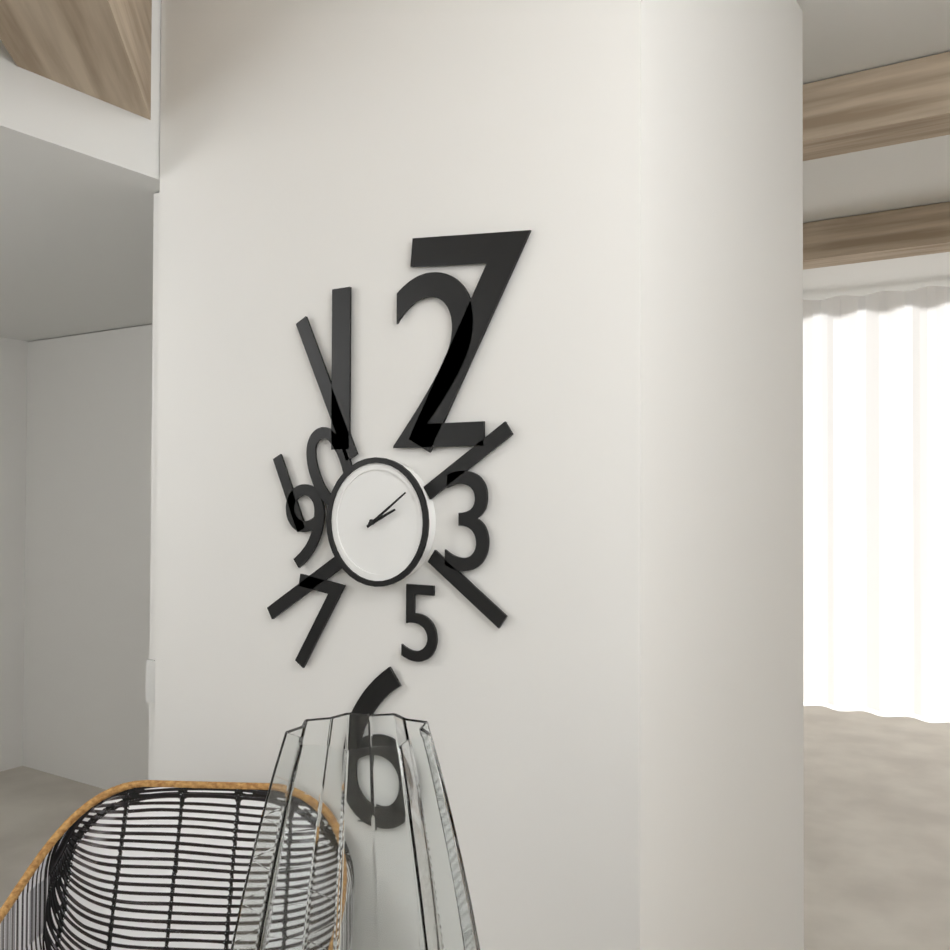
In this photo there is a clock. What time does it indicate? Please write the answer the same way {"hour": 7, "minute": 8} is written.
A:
{"hour": 2, "minute": 9}
